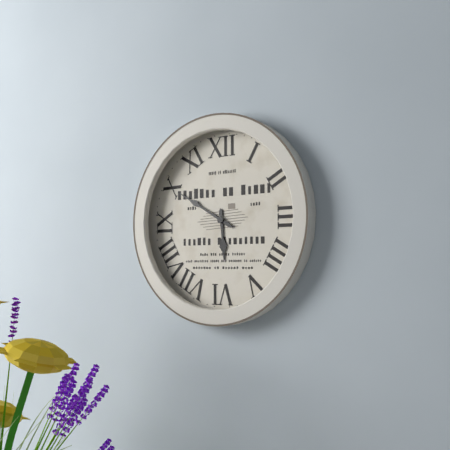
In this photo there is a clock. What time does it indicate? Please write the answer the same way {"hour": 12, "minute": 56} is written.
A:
{"hour": 5, "minute": 50}
